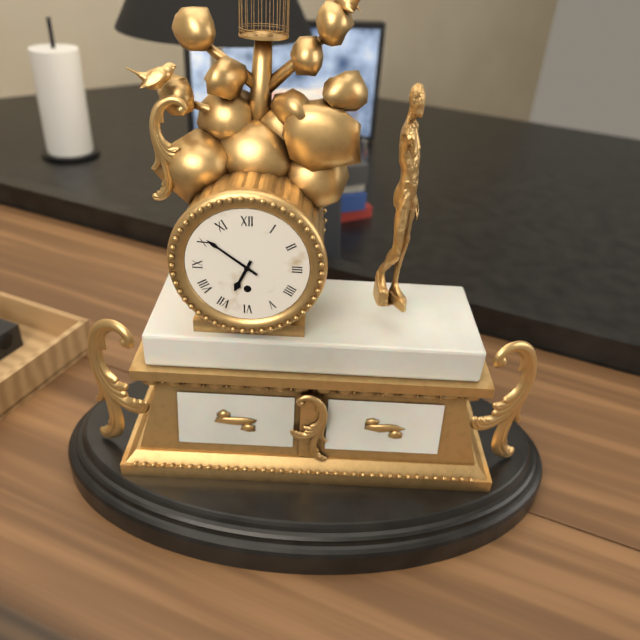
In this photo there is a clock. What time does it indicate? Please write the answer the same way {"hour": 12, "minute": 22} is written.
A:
{"hour": 6, "minute": 51}
